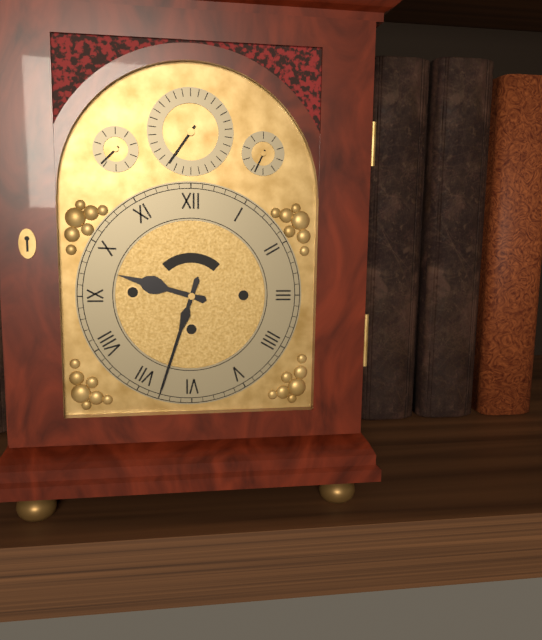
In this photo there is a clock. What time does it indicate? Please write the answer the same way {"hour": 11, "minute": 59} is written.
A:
{"hour": 9, "minute": 33}
